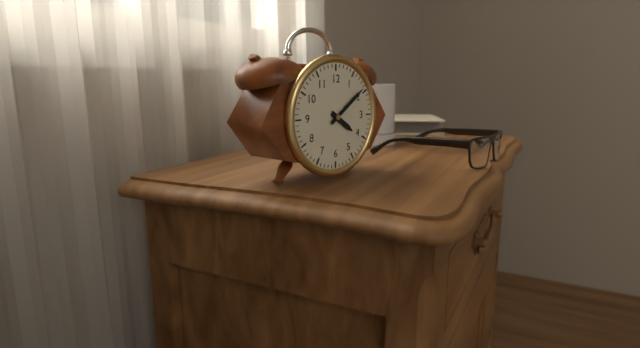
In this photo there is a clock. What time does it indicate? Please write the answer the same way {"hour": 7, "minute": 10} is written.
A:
{"hour": 4, "minute": 9}
